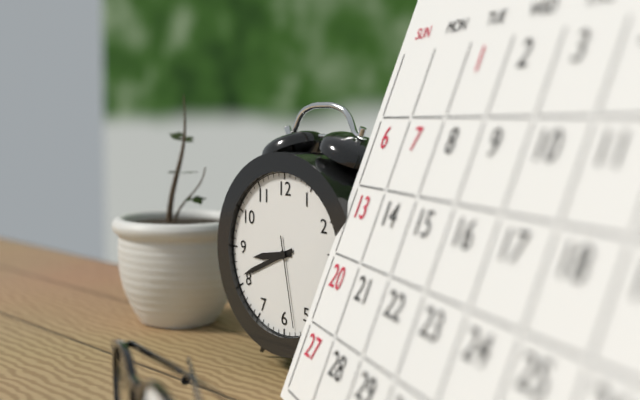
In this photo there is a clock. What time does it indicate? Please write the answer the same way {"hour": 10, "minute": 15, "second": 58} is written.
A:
{"hour": 8, "minute": 41, "second": 28}
